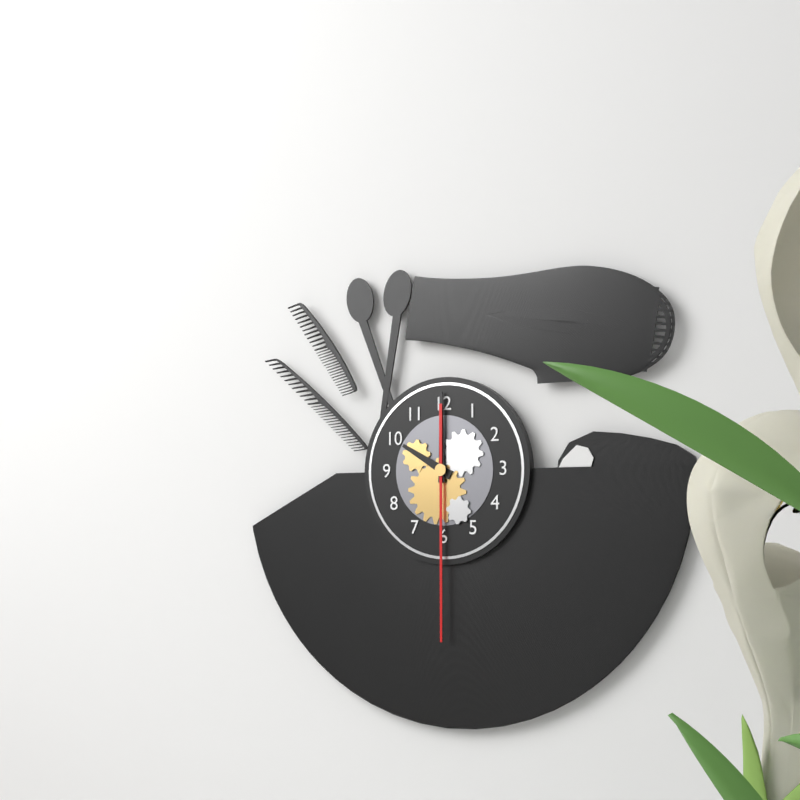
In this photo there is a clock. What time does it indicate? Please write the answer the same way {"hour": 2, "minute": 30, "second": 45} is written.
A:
{"hour": 10, "minute": 0, "second": 30}
